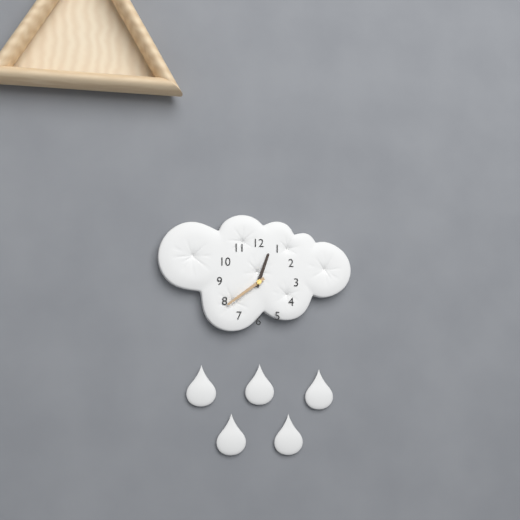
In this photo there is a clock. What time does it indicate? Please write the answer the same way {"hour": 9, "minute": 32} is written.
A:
{"hour": 12, "minute": 39}
